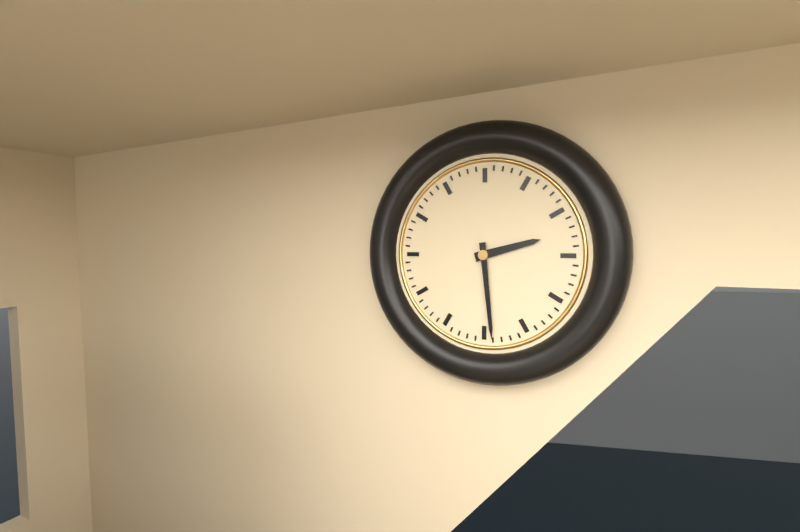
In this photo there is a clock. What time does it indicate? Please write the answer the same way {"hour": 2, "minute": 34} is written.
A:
{"hour": 2, "minute": 29}
